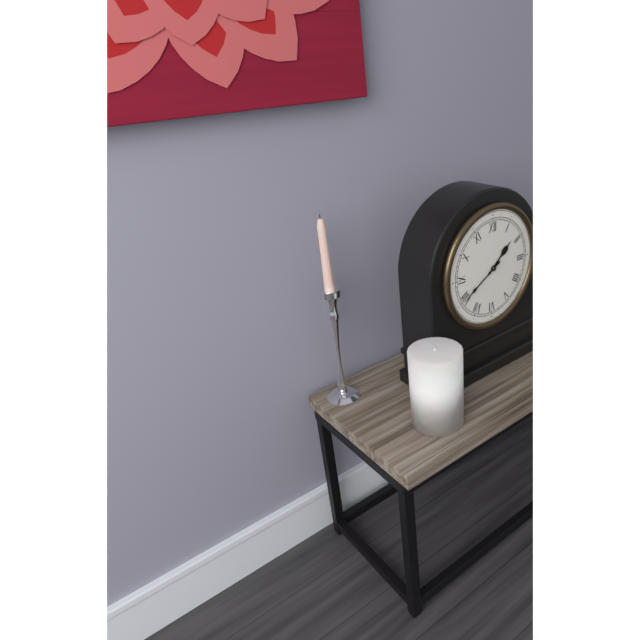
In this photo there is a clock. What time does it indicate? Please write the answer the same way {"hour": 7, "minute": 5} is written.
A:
{"hour": 1, "minute": 40}
